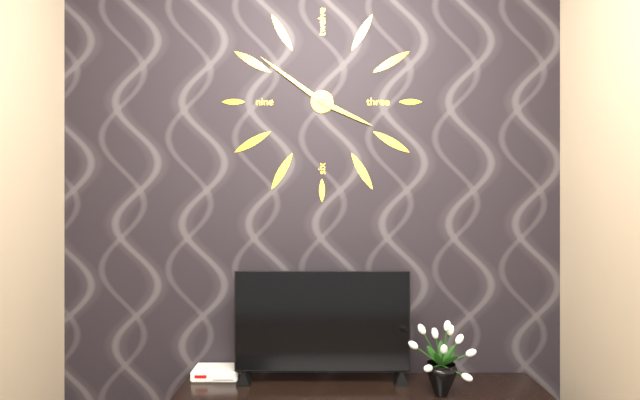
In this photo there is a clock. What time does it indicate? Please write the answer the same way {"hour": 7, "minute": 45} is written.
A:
{"hour": 3, "minute": 51}
